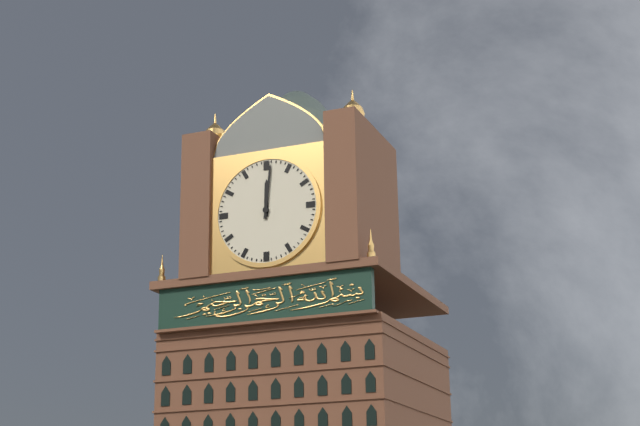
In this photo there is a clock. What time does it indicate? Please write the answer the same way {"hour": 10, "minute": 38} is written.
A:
{"hour": 12, "minute": 1}
